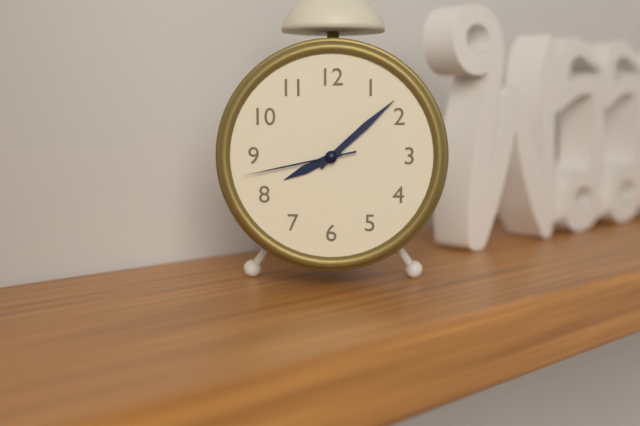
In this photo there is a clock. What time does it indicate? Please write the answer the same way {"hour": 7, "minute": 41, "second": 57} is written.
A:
{"hour": 8, "minute": 8, "second": 43}
